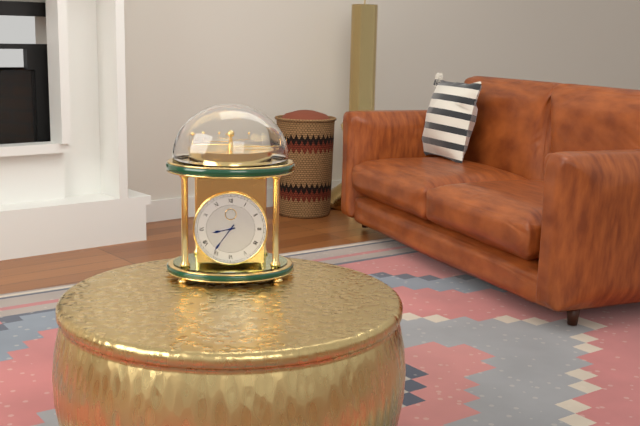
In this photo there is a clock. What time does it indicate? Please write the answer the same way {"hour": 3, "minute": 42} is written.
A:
{"hour": 8, "minute": 36}
